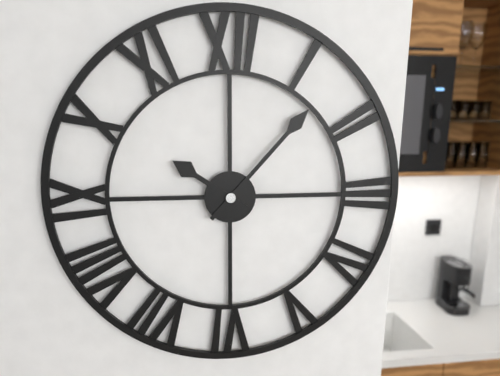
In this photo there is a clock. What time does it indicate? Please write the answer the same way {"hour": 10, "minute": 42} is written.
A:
{"hour": 10, "minute": 7}
